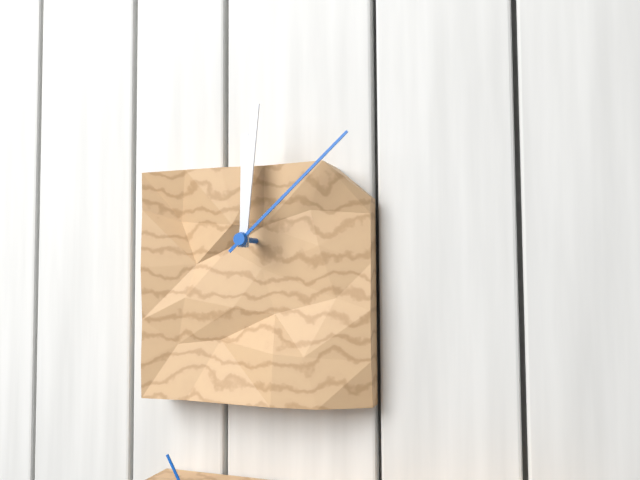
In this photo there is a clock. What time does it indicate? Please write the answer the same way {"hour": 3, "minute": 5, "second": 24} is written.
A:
{"hour": 12, "minute": 1, "second": 8}
